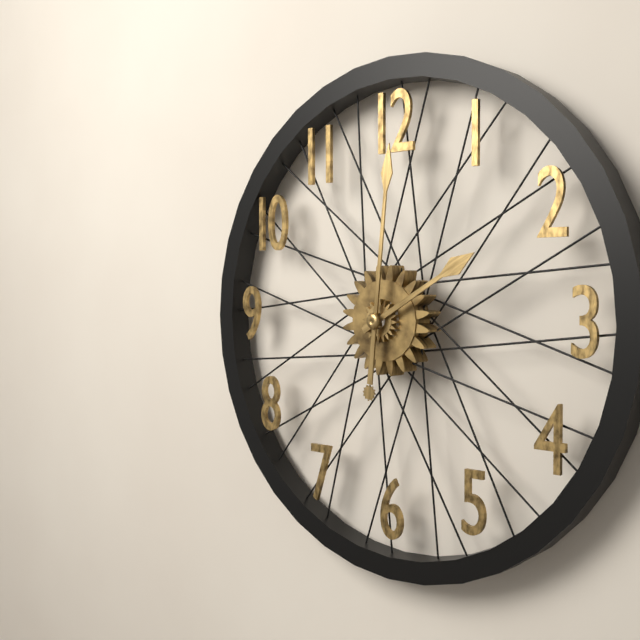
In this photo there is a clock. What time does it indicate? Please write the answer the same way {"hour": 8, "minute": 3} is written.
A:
{"hour": 2, "minute": 1}
